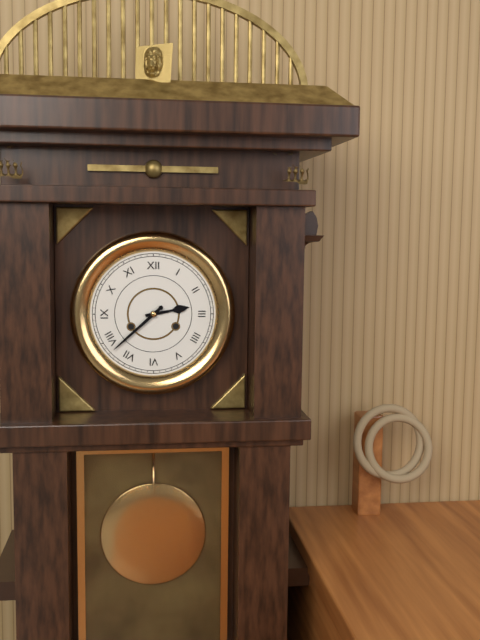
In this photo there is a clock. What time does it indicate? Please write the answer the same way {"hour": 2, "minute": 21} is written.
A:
{"hour": 2, "minute": 38}
